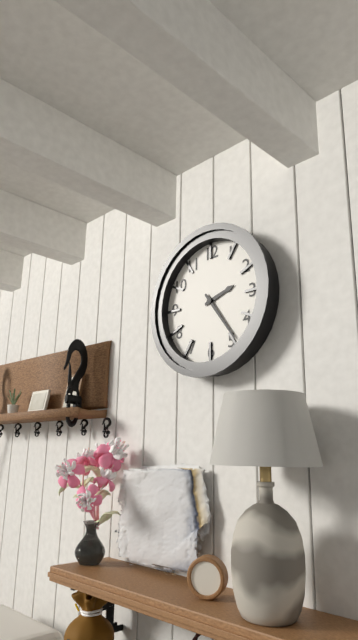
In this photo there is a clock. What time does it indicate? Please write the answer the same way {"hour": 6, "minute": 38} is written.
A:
{"hour": 2, "minute": 24}
